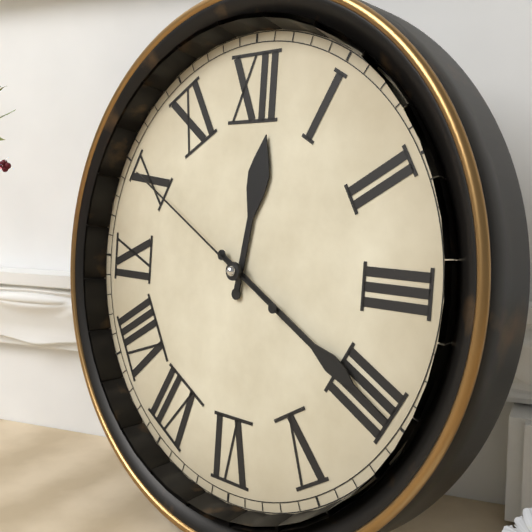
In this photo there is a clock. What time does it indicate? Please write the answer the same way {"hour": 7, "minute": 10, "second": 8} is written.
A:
{"hour": 12, "minute": 20, "second": 50}
